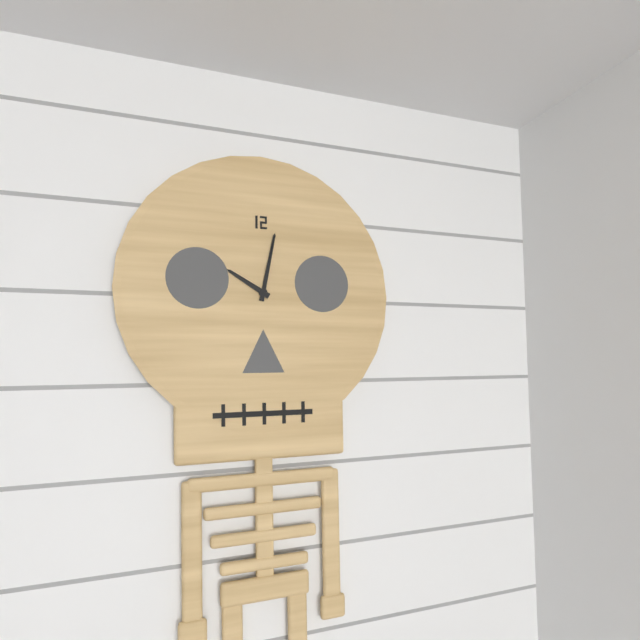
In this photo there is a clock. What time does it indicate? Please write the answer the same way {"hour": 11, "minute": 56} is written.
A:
{"hour": 10, "minute": 2}
